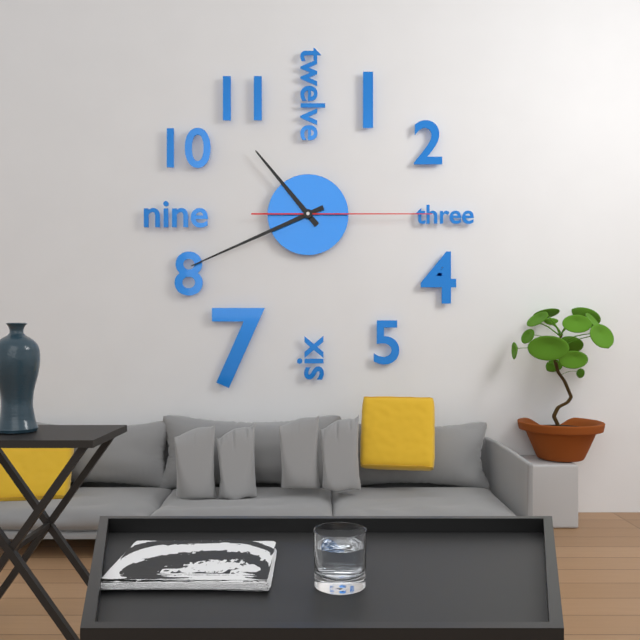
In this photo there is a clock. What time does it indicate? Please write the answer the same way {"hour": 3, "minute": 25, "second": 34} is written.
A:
{"hour": 10, "minute": 41, "second": 15}
